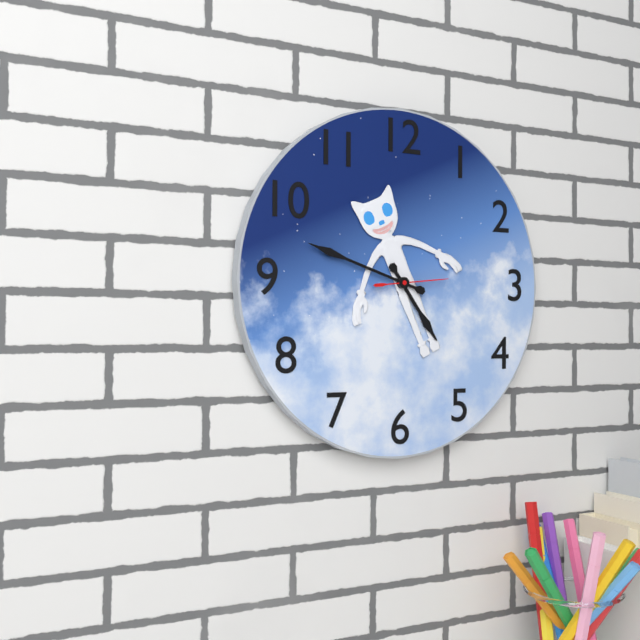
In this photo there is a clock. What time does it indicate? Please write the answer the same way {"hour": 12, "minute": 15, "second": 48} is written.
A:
{"hour": 4, "minute": 48, "second": 14}
